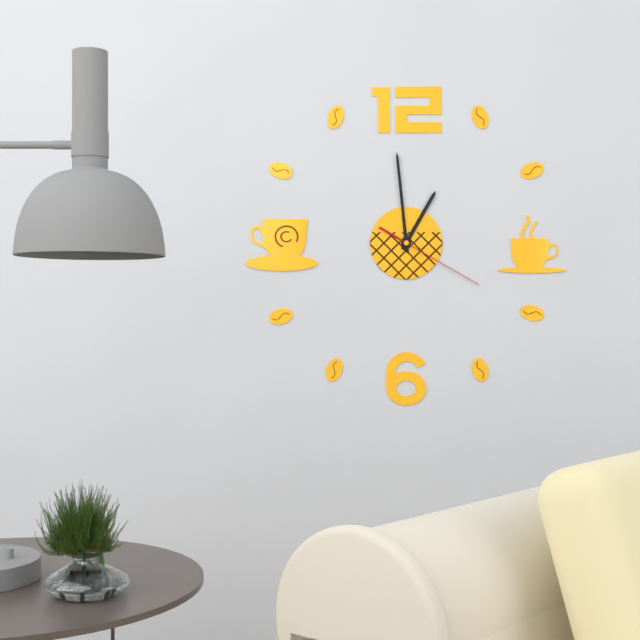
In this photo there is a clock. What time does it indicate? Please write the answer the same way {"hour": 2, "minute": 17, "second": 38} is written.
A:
{"hour": 12, "minute": 59, "second": 20}
